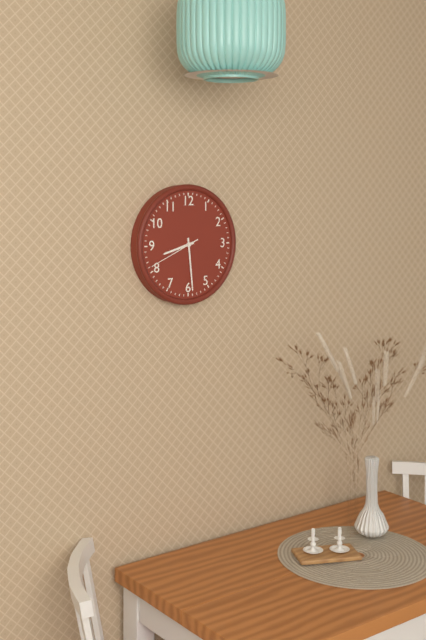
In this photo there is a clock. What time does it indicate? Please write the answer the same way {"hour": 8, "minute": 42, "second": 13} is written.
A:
{"hour": 8, "minute": 29, "second": 41}
